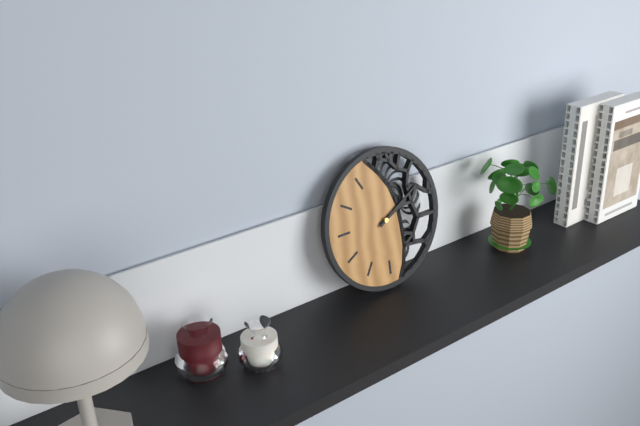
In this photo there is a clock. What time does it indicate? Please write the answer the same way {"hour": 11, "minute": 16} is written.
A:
{"hour": 2, "minute": 10}
